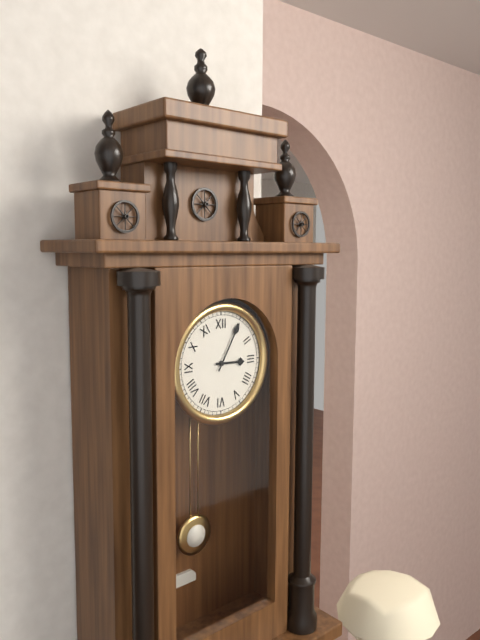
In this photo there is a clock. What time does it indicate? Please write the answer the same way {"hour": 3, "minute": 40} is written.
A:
{"hour": 3, "minute": 5}
